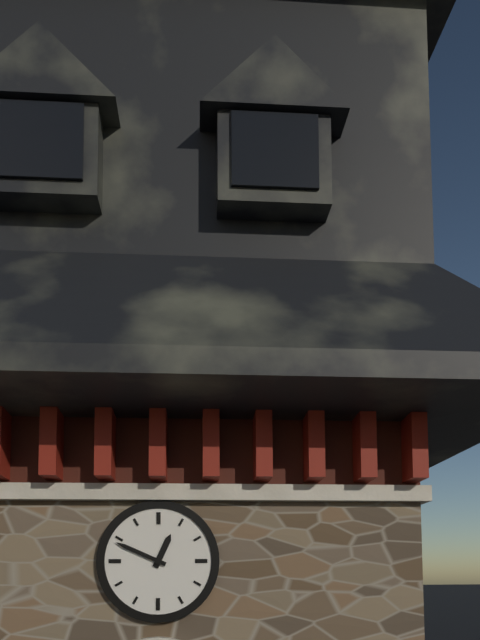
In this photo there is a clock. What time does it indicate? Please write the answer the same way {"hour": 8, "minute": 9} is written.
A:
{"hour": 12, "minute": 49}
